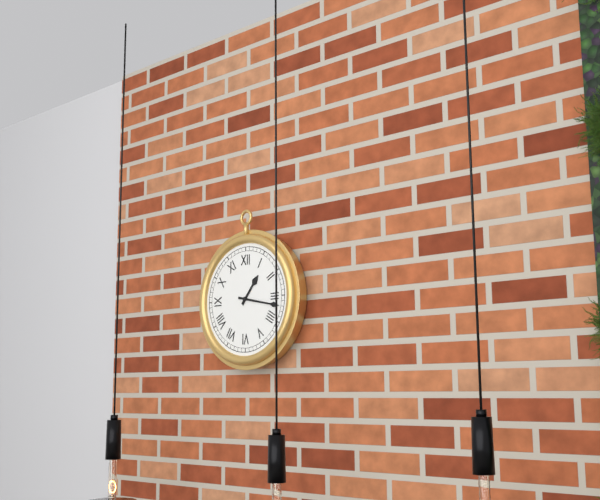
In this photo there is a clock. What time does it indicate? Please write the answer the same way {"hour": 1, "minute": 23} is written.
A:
{"hour": 1, "minute": 17}
